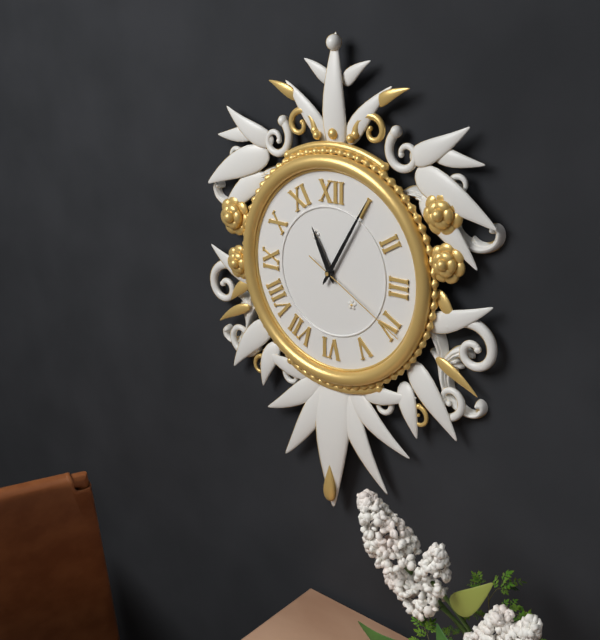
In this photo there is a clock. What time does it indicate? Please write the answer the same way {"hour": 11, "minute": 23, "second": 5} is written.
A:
{"hour": 11, "minute": 5, "second": 20}
